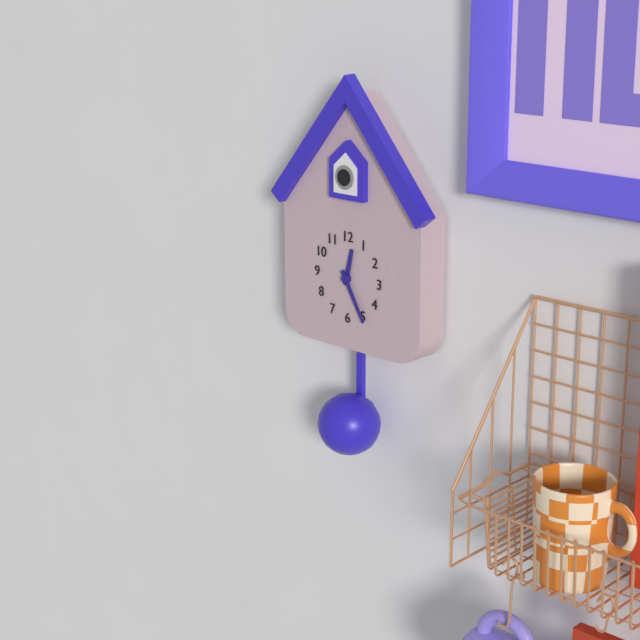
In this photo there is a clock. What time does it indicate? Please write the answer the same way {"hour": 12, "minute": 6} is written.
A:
{"hour": 12, "minute": 25}
